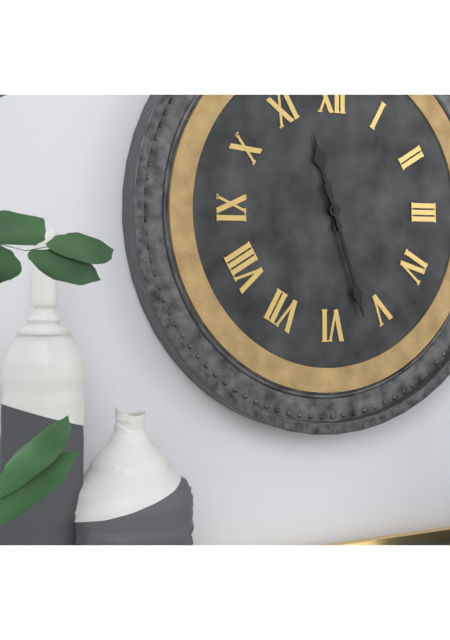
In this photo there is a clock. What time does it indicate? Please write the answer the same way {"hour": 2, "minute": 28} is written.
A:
{"hour": 11, "minute": 27}
